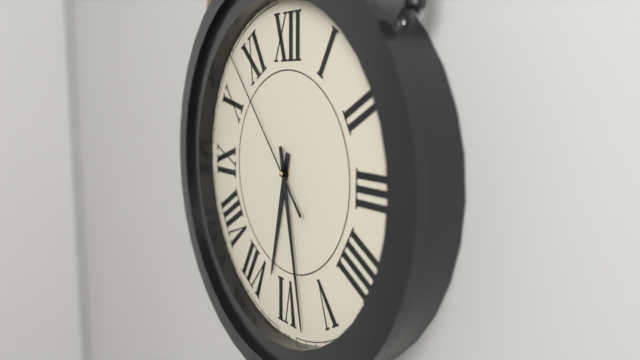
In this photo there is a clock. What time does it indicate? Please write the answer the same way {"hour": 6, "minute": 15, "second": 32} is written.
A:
{"hour": 6, "minute": 28, "second": 53}
